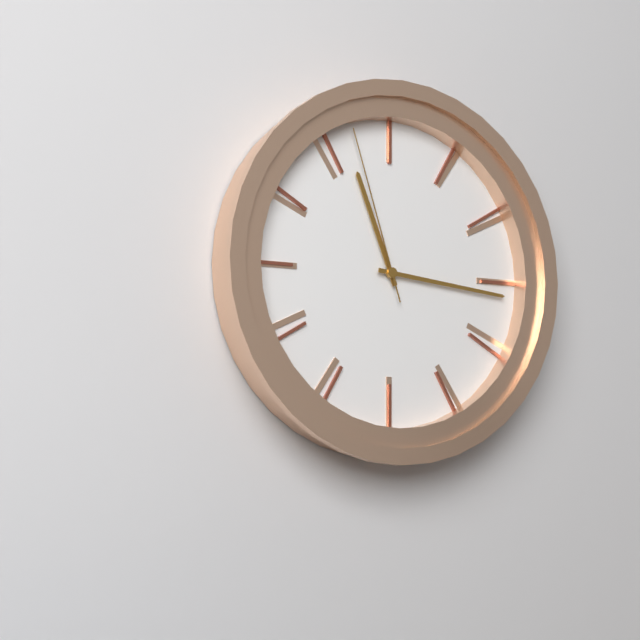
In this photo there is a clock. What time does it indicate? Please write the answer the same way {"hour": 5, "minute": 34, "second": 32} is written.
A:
{"hour": 11, "minute": 16, "second": 57}
